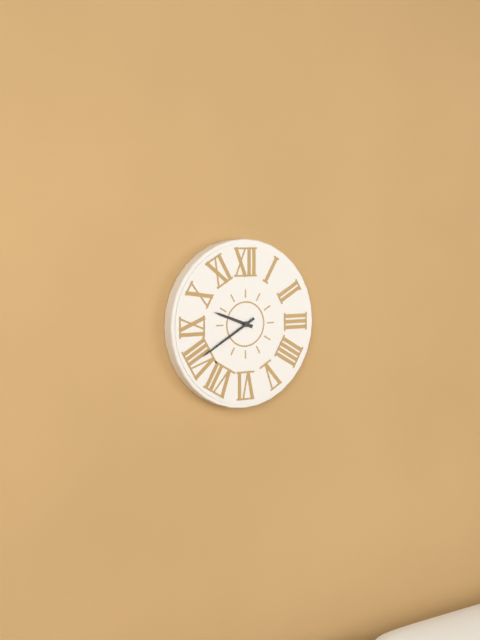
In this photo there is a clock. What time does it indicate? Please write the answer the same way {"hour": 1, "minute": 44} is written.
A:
{"hour": 9, "minute": 40}
